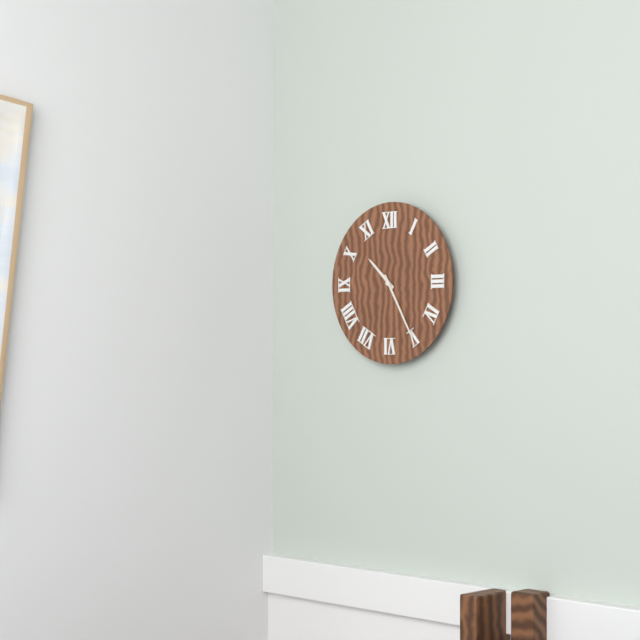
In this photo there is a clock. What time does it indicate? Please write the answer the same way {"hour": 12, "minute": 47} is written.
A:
{"hour": 10, "minute": 25}
